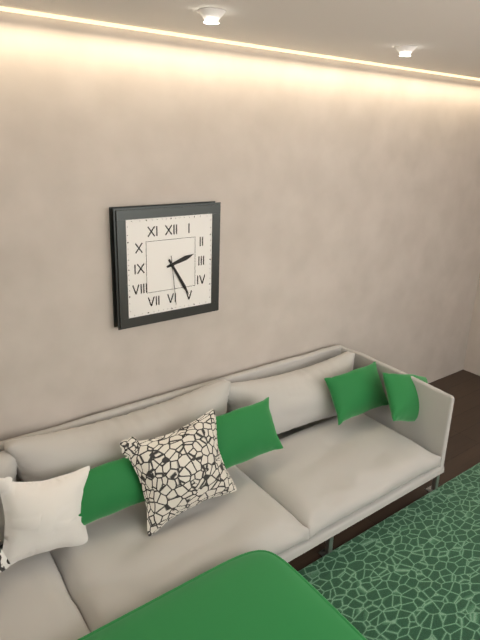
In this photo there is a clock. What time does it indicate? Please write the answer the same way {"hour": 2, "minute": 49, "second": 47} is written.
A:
{"hour": 2, "minute": 25, "second": 29}
